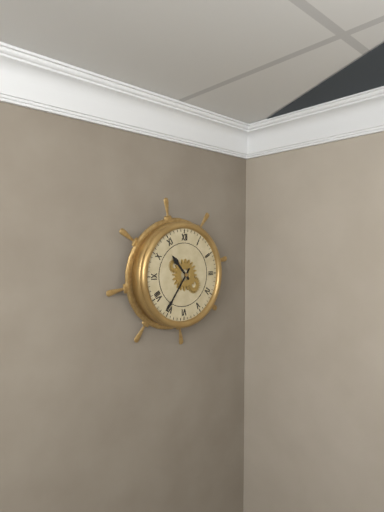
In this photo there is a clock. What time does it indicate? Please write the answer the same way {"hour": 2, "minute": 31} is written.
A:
{"hour": 10, "minute": 36}
